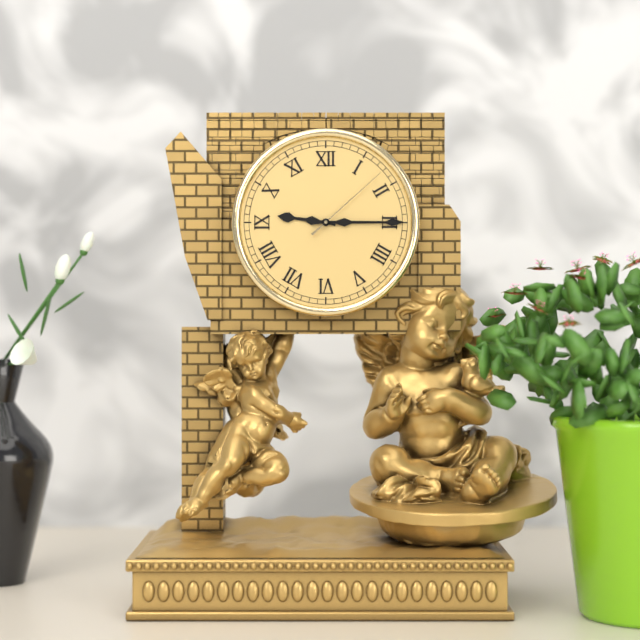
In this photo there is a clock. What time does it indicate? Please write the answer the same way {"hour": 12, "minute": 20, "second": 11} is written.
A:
{"hour": 9, "minute": 15, "second": 8}
